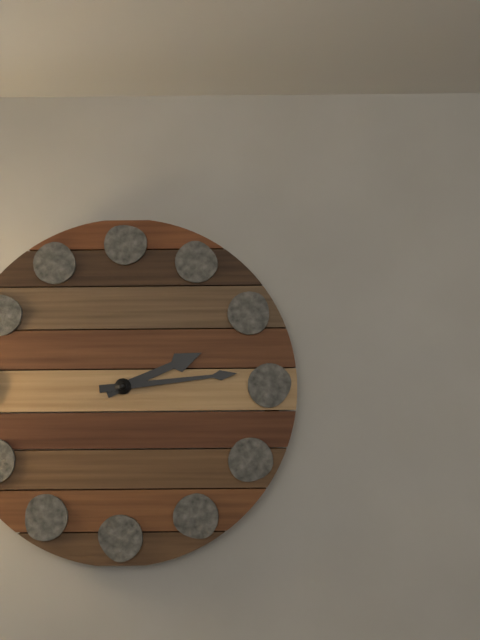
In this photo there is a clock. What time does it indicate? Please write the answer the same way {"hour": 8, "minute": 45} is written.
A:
{"hour": 2, "minute": 14}
